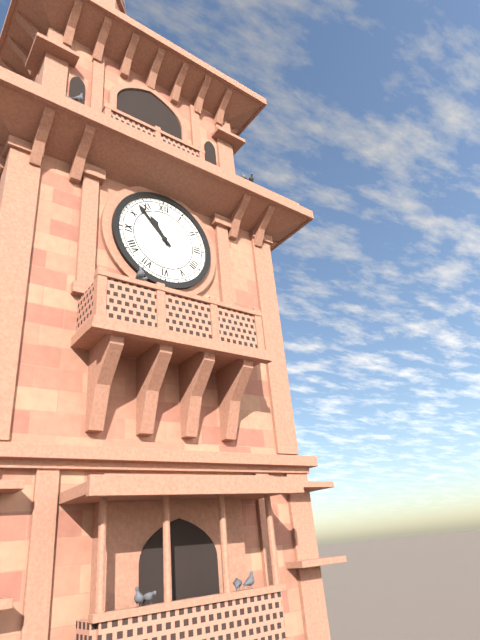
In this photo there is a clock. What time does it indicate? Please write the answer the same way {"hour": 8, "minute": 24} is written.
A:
{"hour": 10, "minute": 53}
